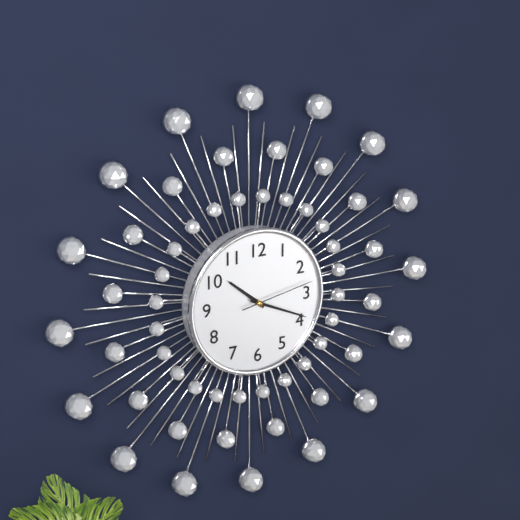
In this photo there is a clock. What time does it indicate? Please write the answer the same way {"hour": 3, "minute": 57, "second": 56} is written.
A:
{"hour": 10, "minute": 19, "second": 13}
